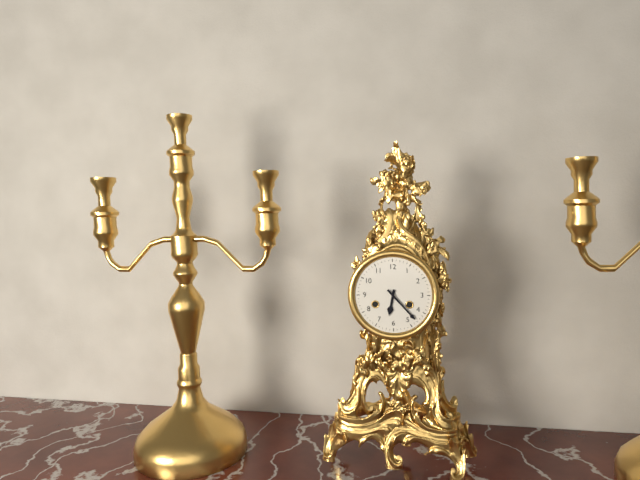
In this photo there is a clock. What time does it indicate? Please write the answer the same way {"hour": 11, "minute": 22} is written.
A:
{"hour": 6, "minute": 23}
